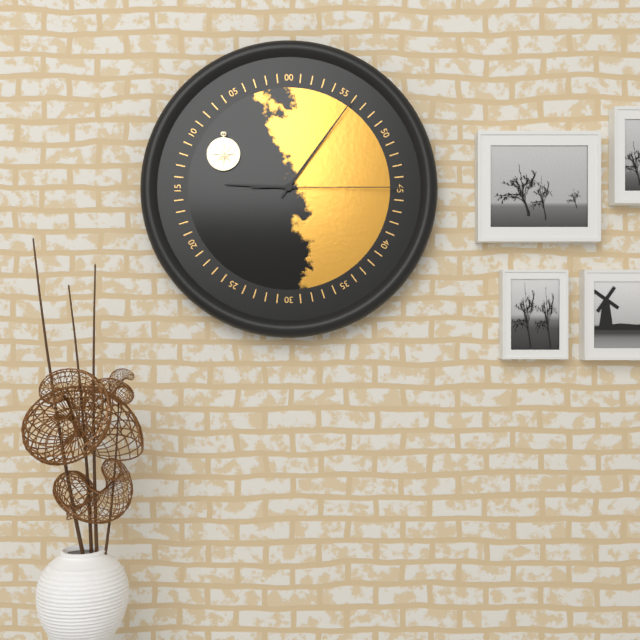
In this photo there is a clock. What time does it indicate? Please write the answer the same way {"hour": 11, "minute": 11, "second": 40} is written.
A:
{"hour": 9, "minute": 6, "second": 15}
